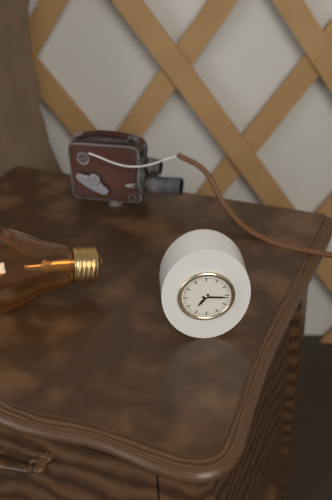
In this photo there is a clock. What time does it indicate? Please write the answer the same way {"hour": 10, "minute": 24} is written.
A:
{"hour": 7, "minute": 16}
